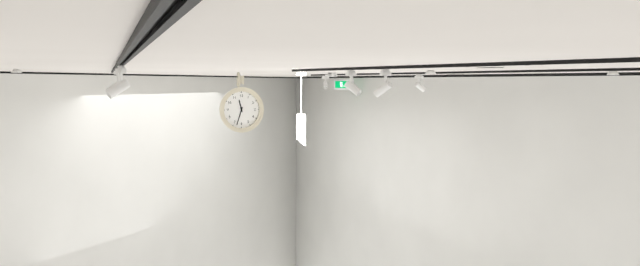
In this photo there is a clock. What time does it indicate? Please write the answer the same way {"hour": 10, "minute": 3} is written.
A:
{"hour": 11, "minute": 33}
